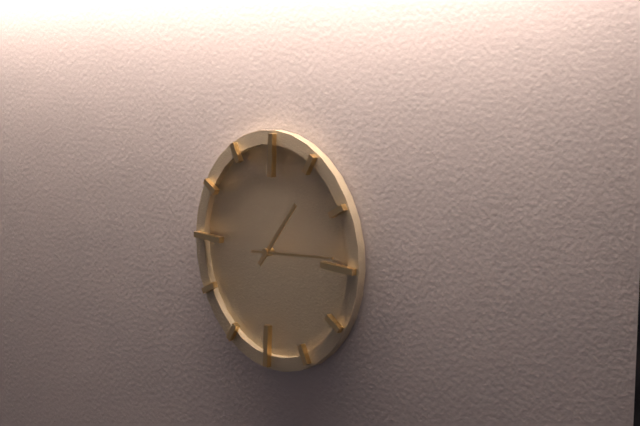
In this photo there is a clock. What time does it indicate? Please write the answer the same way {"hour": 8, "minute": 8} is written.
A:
{"hour": 1, "minute": 14}
